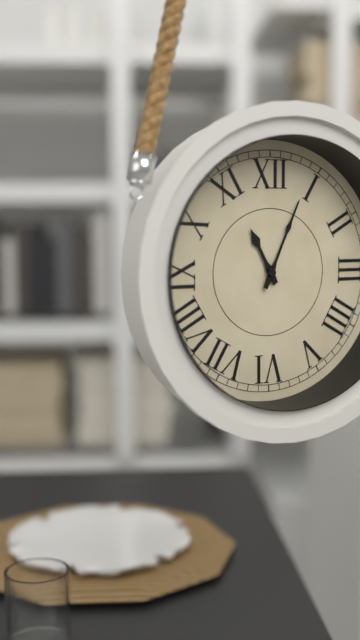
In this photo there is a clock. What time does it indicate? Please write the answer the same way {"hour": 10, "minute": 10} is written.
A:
{"hour": 11, "minute": 4}
